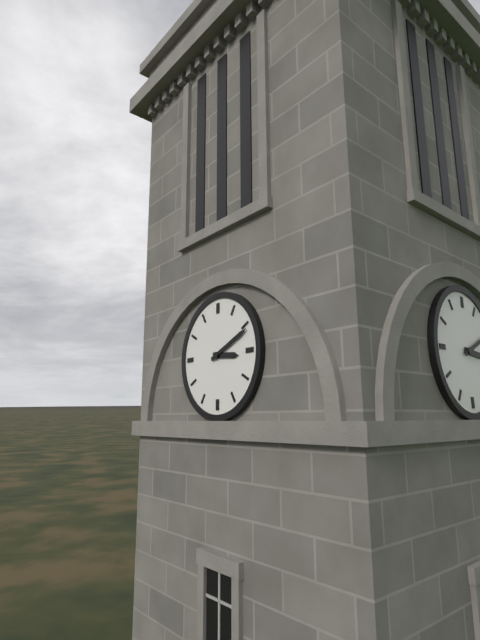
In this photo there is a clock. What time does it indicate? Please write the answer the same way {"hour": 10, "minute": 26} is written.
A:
{"hour": 3, "minute": 11}
